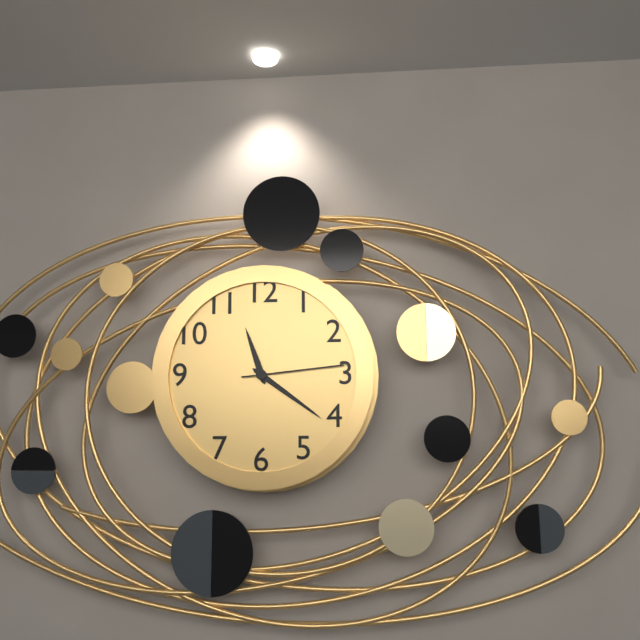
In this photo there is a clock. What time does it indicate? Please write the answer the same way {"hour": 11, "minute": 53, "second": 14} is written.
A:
{"hour": 11, "minute": 21, "second": 14}
